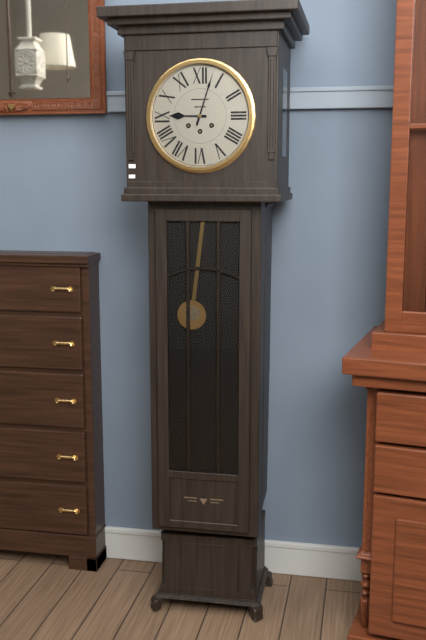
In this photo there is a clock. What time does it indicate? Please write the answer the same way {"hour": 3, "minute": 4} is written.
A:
{"hour": 9, "minute": 3}
